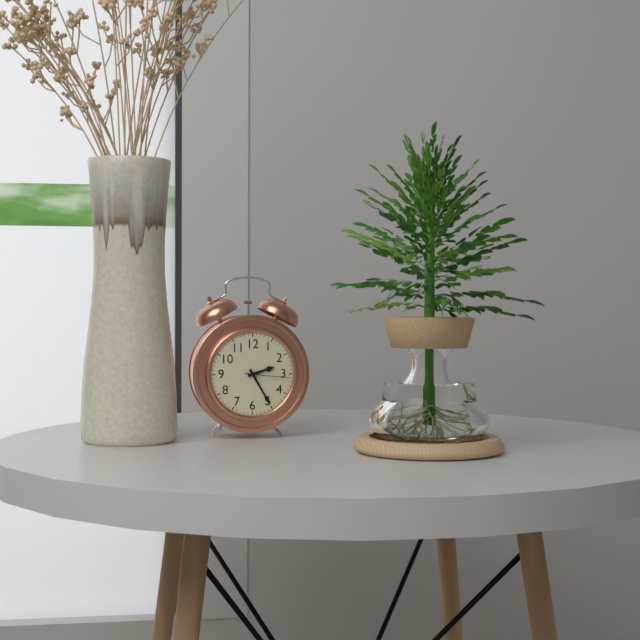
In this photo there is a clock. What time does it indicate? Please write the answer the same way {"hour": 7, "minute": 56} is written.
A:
{"hour": 2, "minute": 25}
